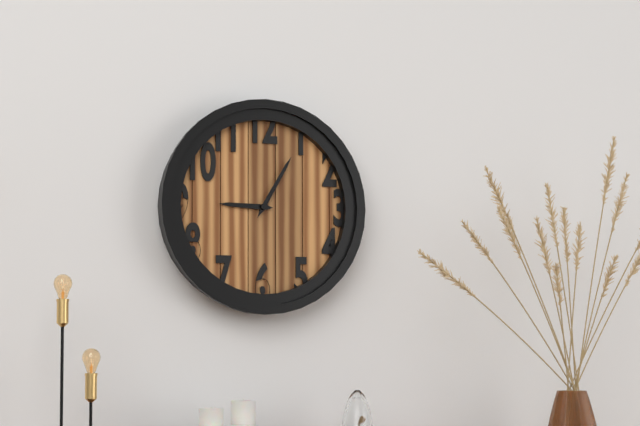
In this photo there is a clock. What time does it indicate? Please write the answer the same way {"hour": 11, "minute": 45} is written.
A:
{"hour": 9, "minute": 5}
